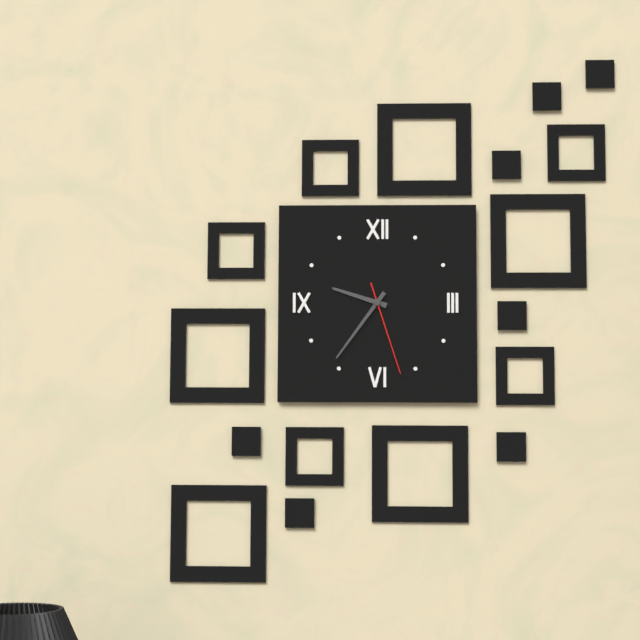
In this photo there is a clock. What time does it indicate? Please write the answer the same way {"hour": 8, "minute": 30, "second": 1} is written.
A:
{"hour": 9, "minute": 36, "second": 27}
